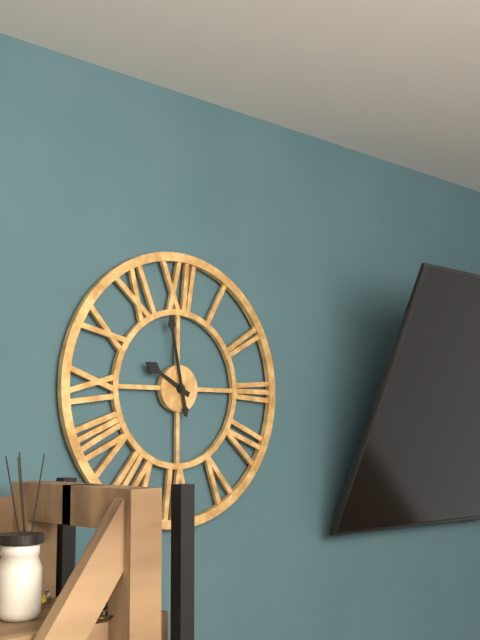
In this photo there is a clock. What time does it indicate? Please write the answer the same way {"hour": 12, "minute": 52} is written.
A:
{"hour": 9, "minute": 58}
